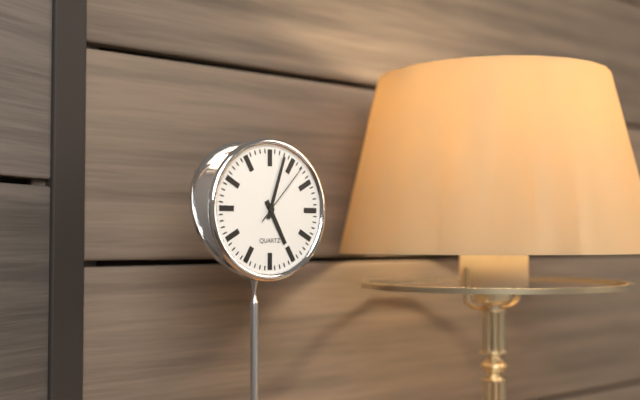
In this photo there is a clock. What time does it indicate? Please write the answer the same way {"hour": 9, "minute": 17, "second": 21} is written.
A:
{"hour": 5, "minute": 3, "second": 7}
